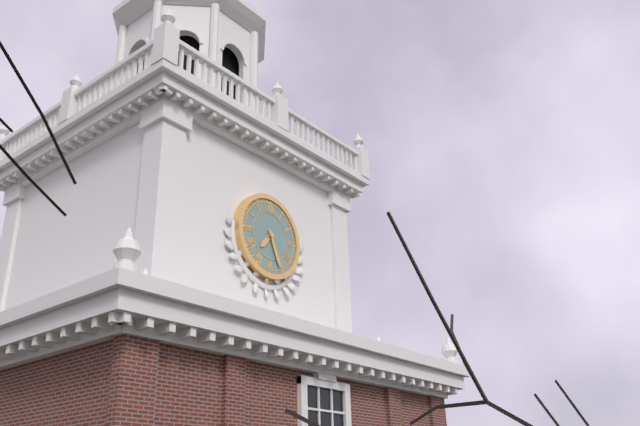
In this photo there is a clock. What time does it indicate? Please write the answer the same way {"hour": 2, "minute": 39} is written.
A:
{"hour": 7, "minute": 26}
